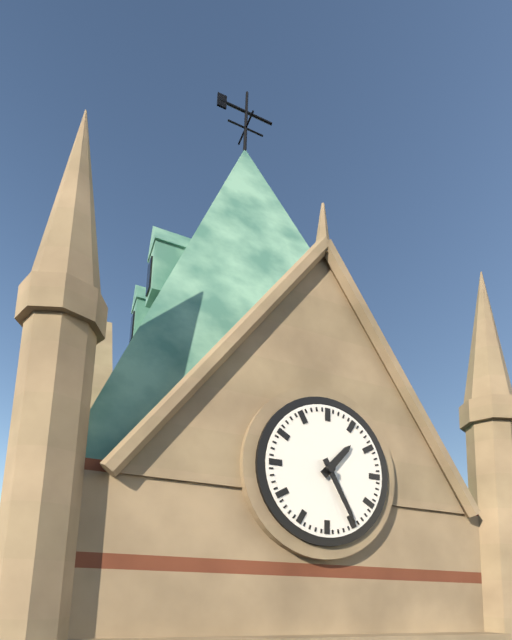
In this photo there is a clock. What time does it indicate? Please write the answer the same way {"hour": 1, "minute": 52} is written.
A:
{"hour": 1, "minute": 25}
